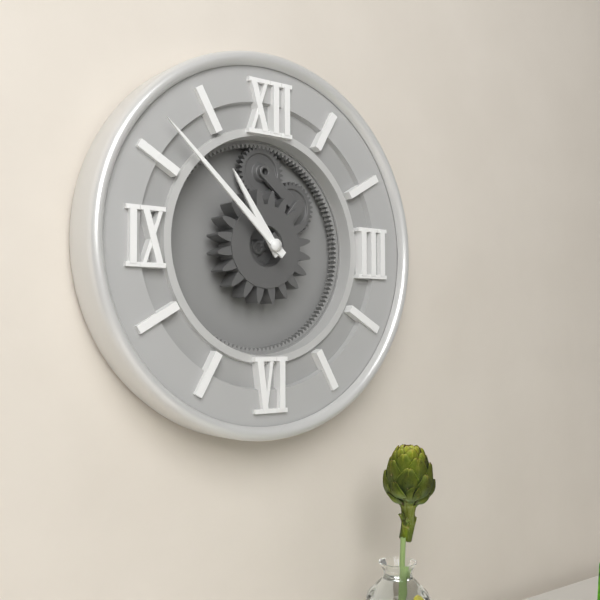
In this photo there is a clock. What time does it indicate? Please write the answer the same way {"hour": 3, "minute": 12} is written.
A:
{"hour": 10, "minute": 52}
